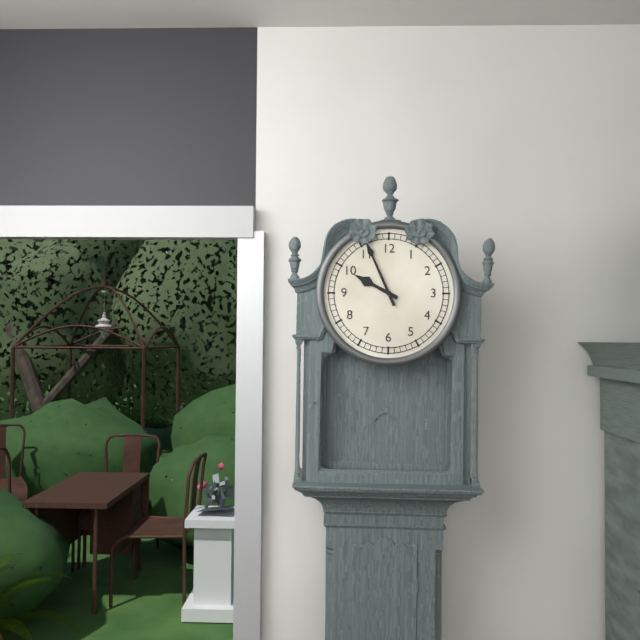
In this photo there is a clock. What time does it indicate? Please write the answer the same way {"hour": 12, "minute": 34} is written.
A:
{"hour": 9, "minute": 56}
